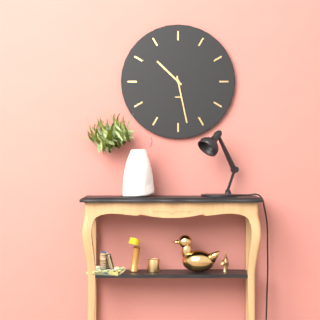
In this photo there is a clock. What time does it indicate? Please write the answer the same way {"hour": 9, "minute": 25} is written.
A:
{"hour": 10, "minute": 28}
